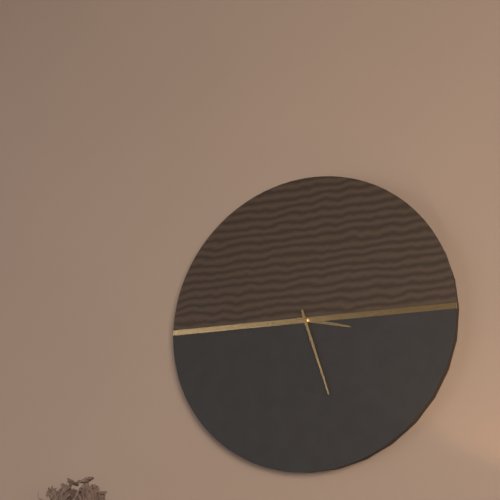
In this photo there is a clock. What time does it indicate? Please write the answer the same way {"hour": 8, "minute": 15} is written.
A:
{"hour": 3, "minute": 27}
